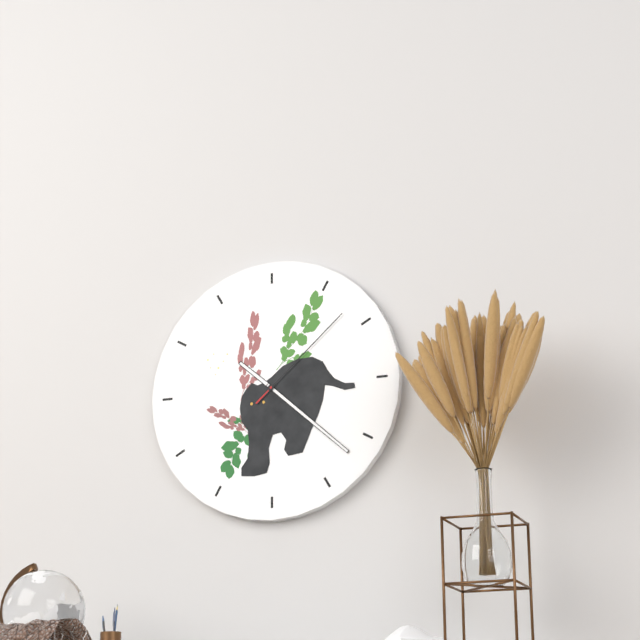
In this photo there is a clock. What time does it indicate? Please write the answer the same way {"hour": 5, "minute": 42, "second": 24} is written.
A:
{"hour": 10, "minute": 22, "second": 8}
